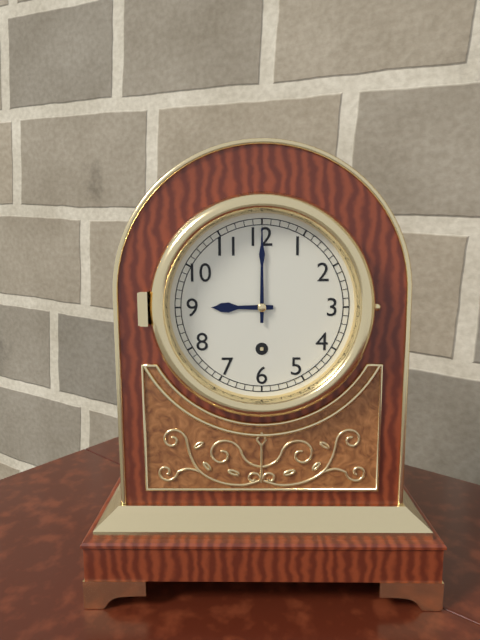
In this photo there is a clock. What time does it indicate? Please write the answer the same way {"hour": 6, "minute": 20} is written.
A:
{"hour": 9, "minute": 0}
